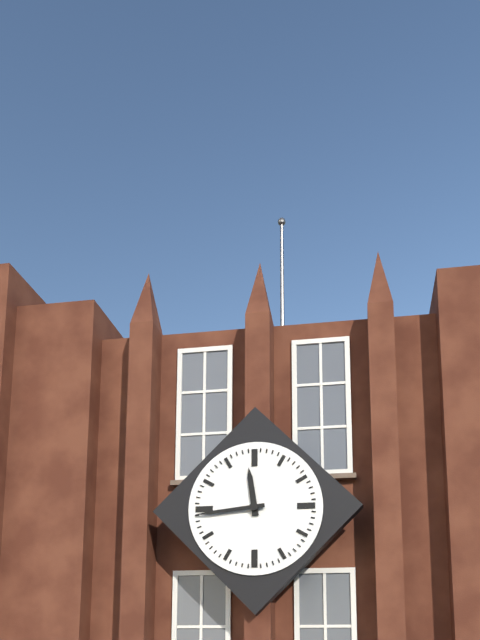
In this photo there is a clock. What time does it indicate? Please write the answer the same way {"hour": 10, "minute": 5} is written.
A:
{"hour": 11, "minute": 44}
